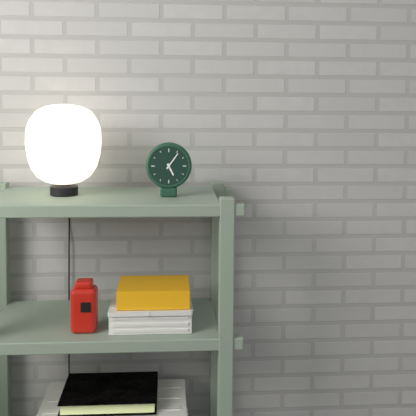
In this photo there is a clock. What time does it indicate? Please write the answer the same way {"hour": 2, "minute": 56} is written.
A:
{"hour": 5, "minute": 6}
